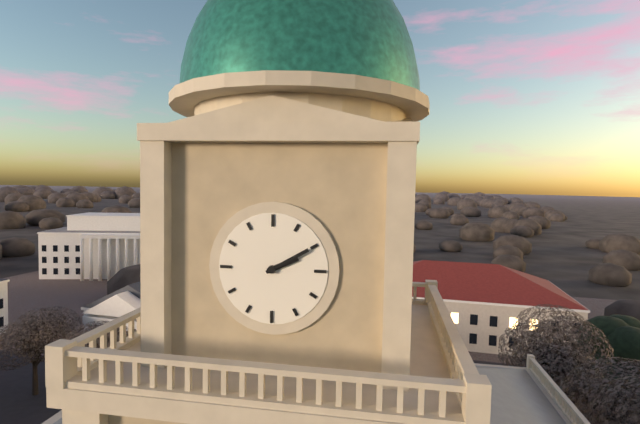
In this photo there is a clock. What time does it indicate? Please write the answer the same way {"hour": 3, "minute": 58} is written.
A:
{"hour": 2, "minute": 10}
